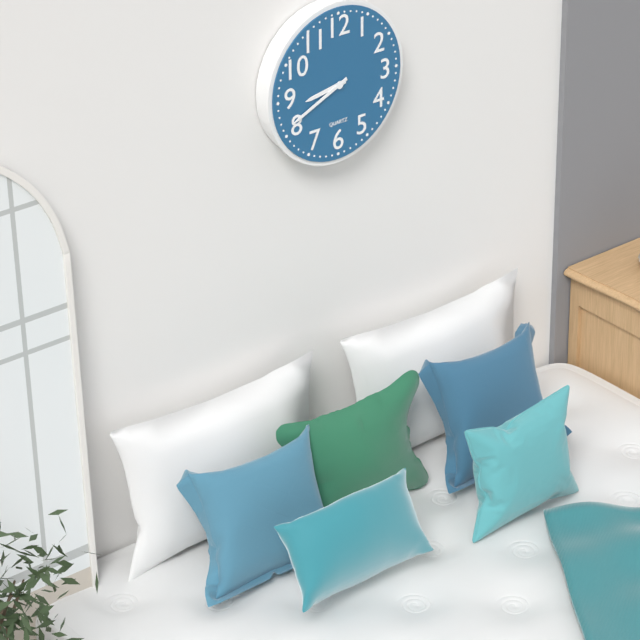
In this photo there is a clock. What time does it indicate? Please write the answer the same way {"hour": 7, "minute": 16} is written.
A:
{"hour": 8, "minute": 41}
